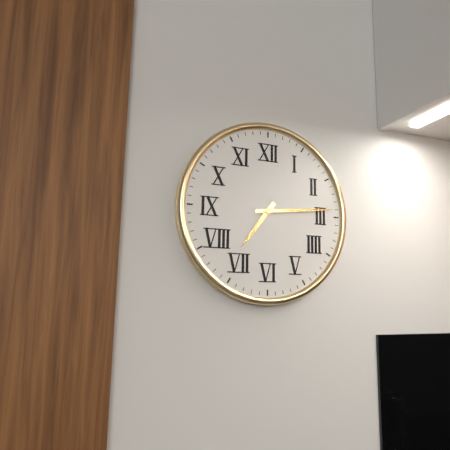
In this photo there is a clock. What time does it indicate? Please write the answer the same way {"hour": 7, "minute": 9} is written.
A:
{"hour": 7, "minute": 14}
